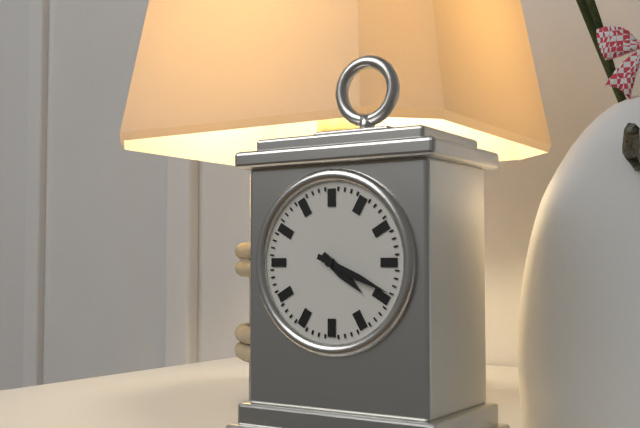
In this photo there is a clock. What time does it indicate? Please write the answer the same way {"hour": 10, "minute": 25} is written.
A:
{"hour": 4, "minute": 19}
